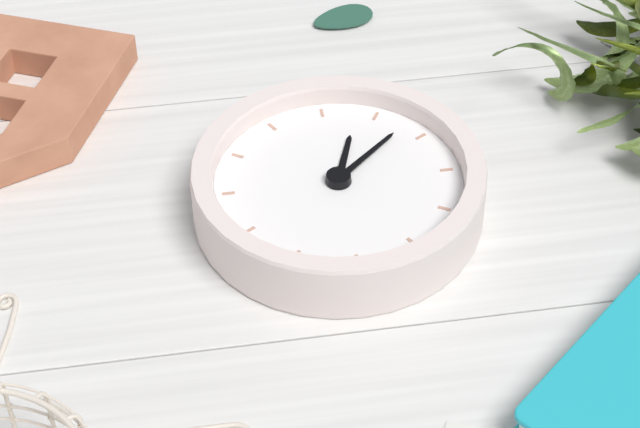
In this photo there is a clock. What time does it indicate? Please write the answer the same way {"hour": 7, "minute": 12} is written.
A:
{"hour": 6, "minute": 38}
